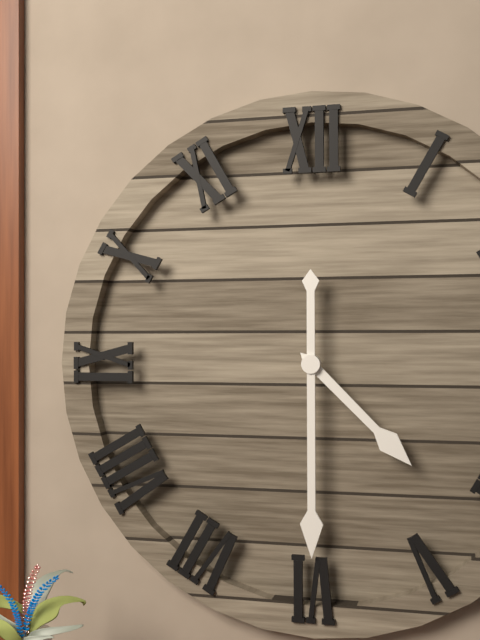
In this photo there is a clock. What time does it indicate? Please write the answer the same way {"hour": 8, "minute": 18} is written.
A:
{"hour": 4, "minute": 30}
